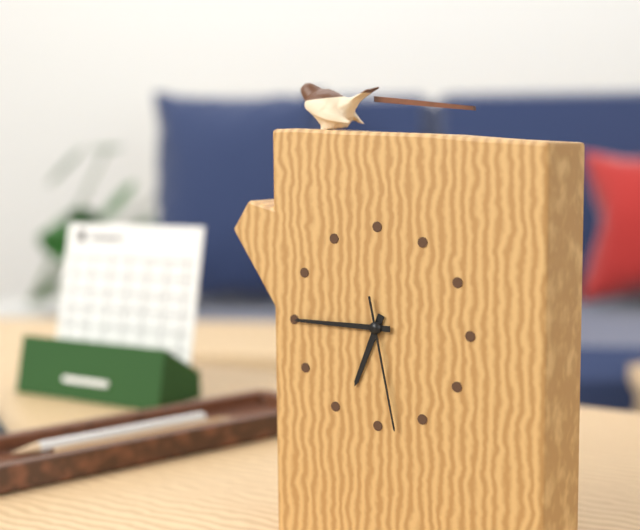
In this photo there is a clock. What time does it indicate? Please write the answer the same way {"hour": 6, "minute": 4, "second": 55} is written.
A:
{"hour": 6, "minute": 45, "second": 28}
